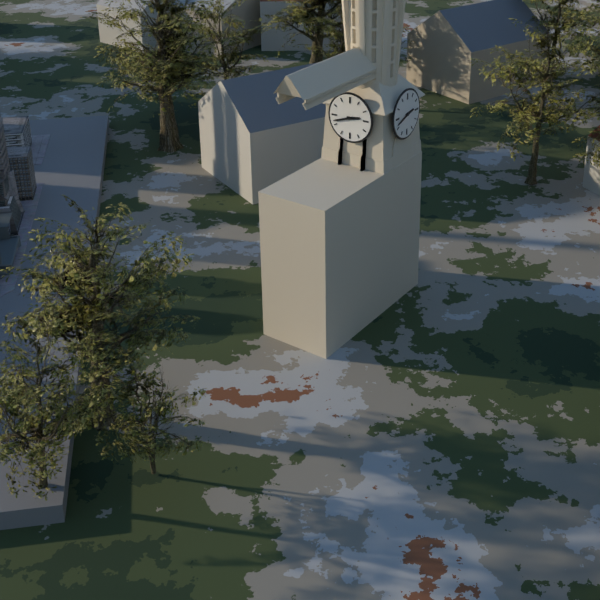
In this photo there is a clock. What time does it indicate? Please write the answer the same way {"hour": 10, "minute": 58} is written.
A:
{"hour": 2, "minute": 42}
